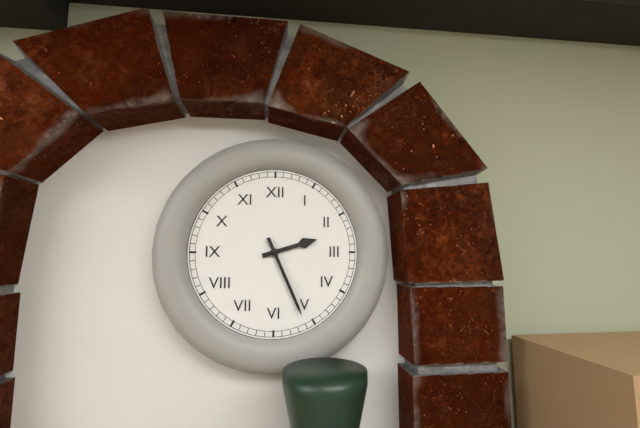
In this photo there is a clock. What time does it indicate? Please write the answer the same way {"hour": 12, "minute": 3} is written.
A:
{"hour": 2, "minute": 26}
